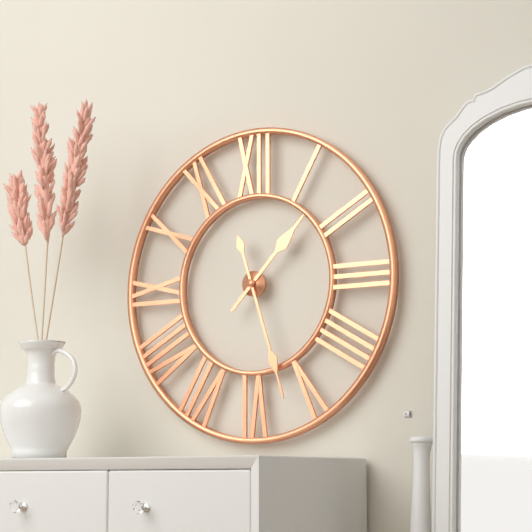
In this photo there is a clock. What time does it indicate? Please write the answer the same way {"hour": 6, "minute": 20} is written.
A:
{"hour": 1, "minute": 27}
